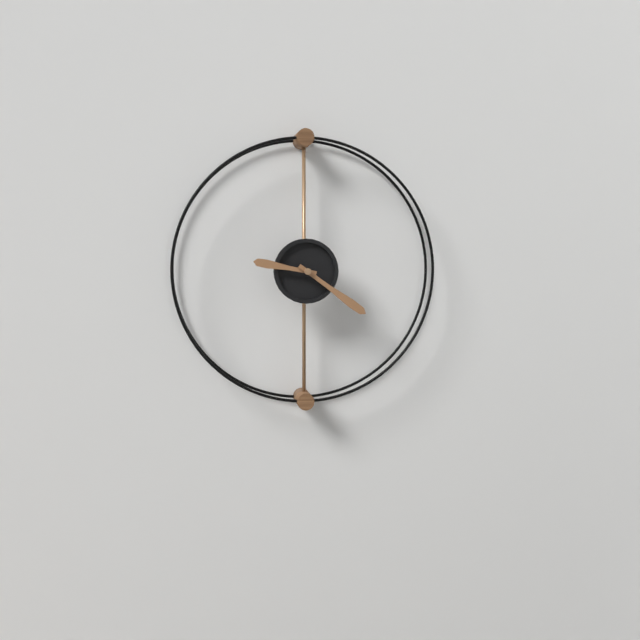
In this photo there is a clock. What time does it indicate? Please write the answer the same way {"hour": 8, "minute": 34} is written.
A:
{"hour": 9, "minute": 21}
